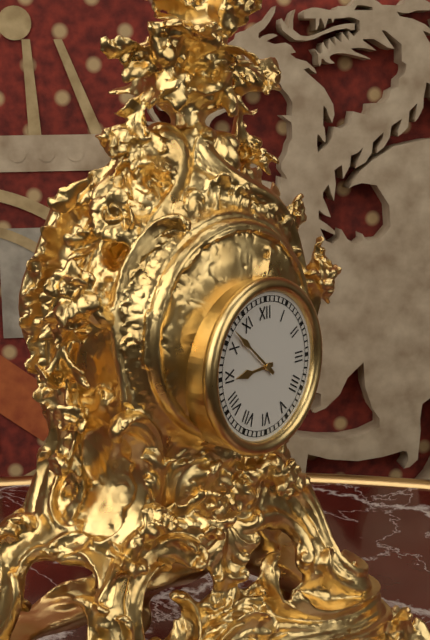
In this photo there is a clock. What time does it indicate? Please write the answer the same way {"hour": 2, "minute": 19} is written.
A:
{"hour": 8, "minute": 52}
